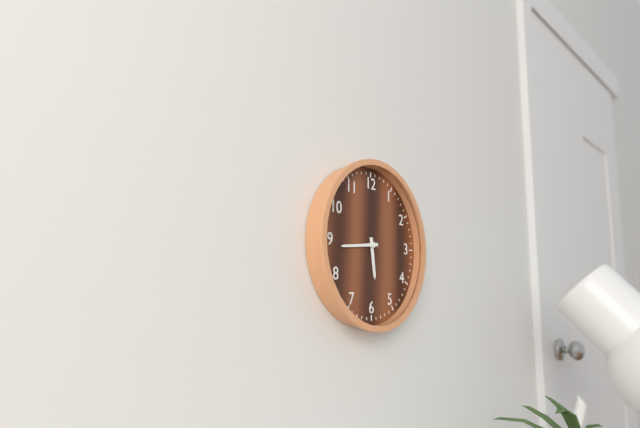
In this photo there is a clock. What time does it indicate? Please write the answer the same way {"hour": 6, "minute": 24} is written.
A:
{"hour": 5, "minute": 44}
